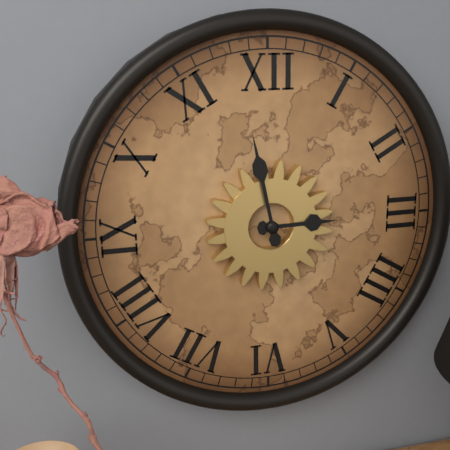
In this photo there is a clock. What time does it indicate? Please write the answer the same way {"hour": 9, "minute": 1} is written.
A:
{"hour": 2, "minute": 58}
